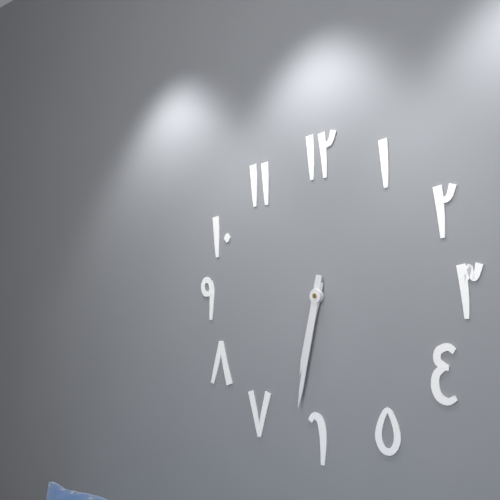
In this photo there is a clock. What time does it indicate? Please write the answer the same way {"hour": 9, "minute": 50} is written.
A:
{"hour": 6, "minute": 32}
